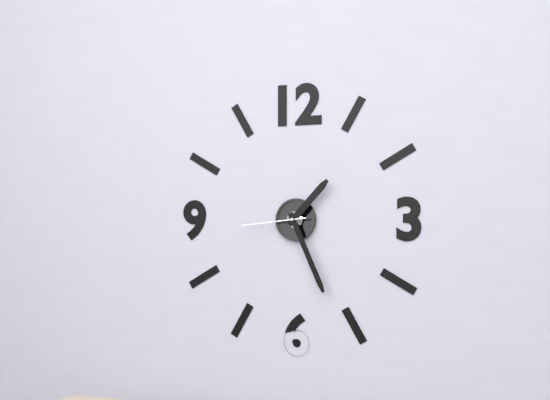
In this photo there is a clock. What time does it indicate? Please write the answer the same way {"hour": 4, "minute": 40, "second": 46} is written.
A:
{"hour": 1, "minute": 26, "second": 44}
